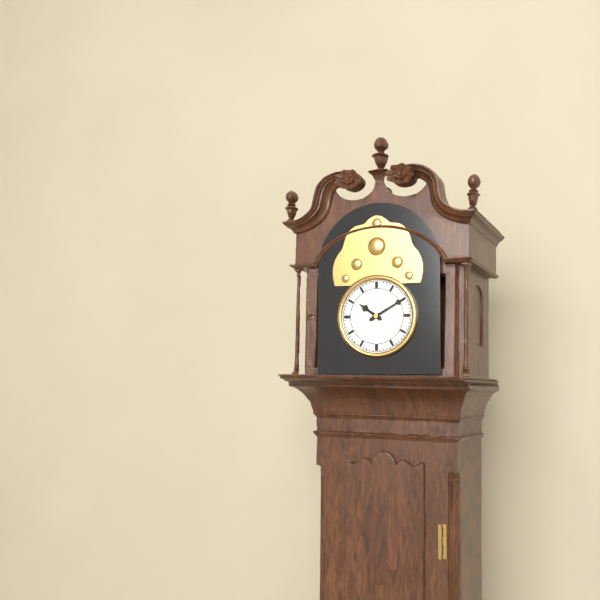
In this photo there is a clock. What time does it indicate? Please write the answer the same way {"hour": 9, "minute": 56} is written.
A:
{"hour": 10, "minute": 10}
